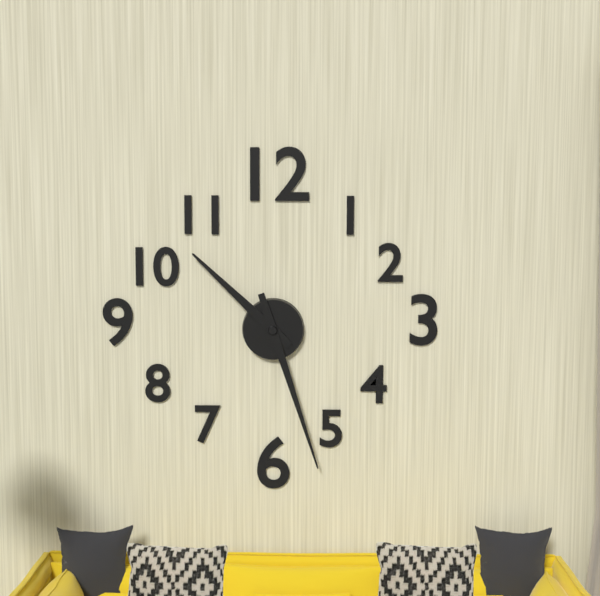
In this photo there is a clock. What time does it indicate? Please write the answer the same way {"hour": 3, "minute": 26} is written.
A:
{"hour": 10, "minute": 27}
